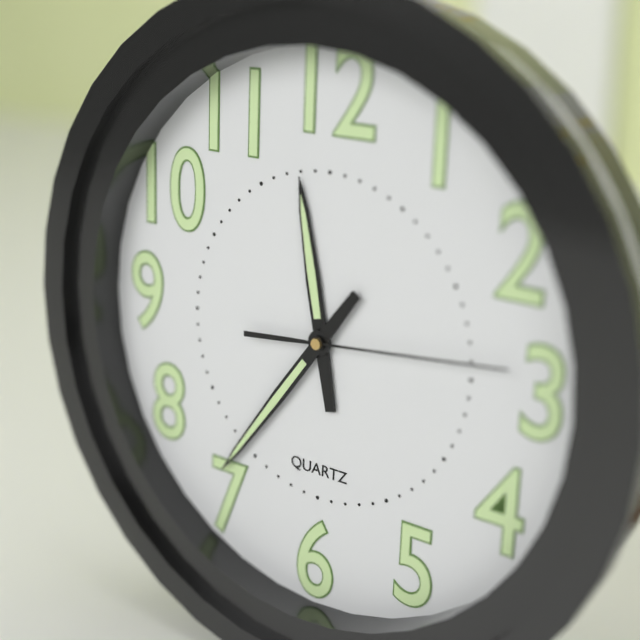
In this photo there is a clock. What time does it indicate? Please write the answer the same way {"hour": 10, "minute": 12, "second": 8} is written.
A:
{"hour": 11, "minute": 36, "second": 14}
